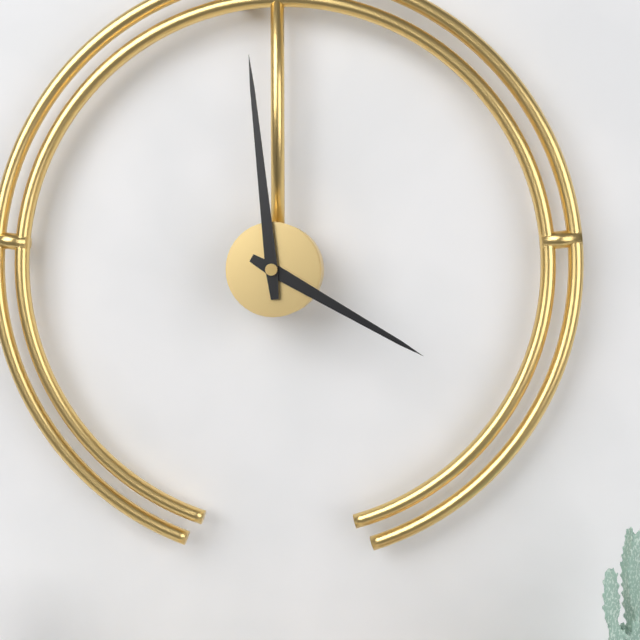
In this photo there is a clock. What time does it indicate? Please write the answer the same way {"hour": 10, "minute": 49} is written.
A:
{"hour": 3, "minute": 59}
